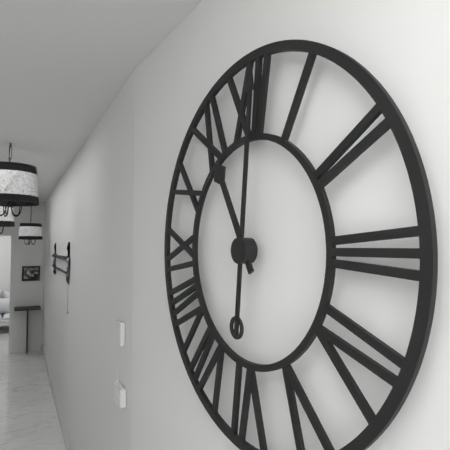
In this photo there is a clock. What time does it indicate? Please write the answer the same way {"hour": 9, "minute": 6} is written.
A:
{"hour": 11, "minute": 1}
